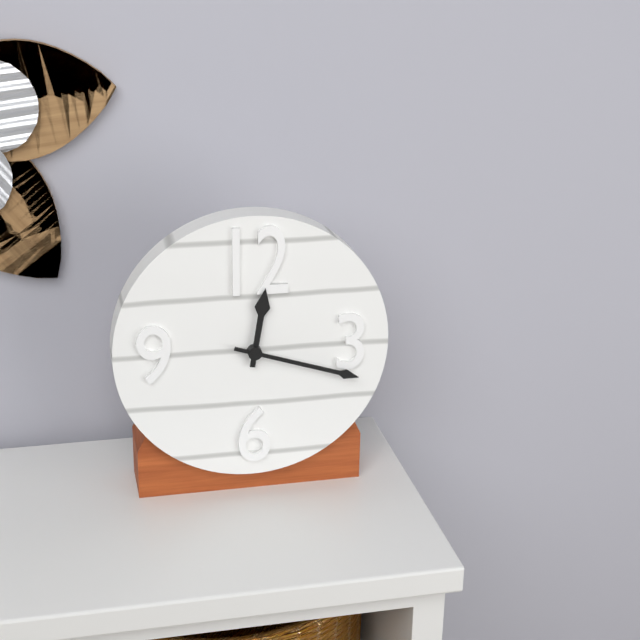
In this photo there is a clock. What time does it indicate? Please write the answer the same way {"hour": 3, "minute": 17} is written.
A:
{"hour": 12, "minute": 18}
